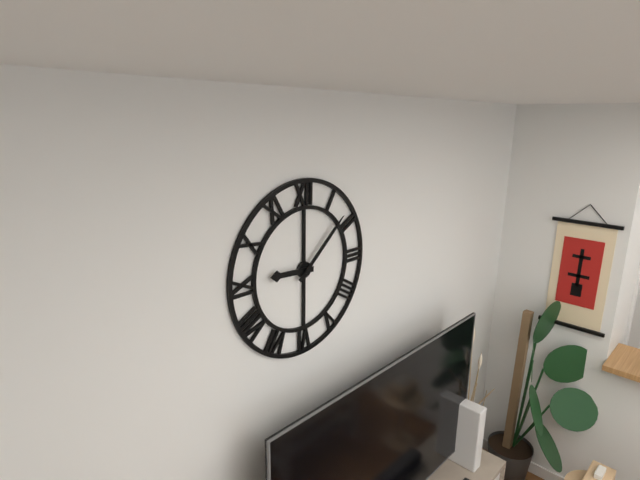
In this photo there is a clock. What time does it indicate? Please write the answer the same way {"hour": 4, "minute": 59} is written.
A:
{"hour": 9, "minute": 8}
